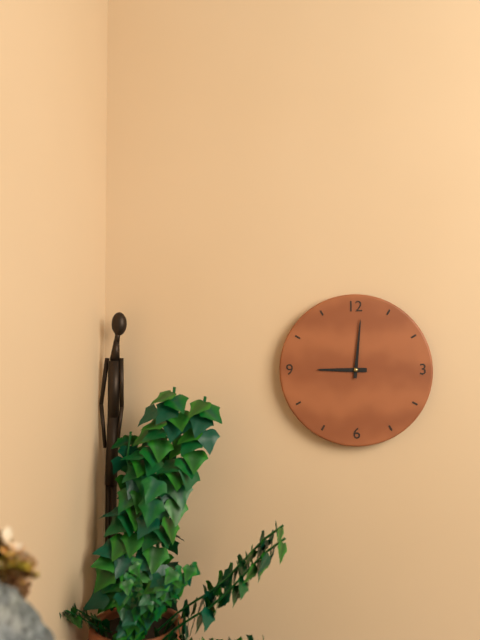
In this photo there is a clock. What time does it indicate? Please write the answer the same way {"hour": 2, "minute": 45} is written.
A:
{"hour": 9, "minute": 1}
